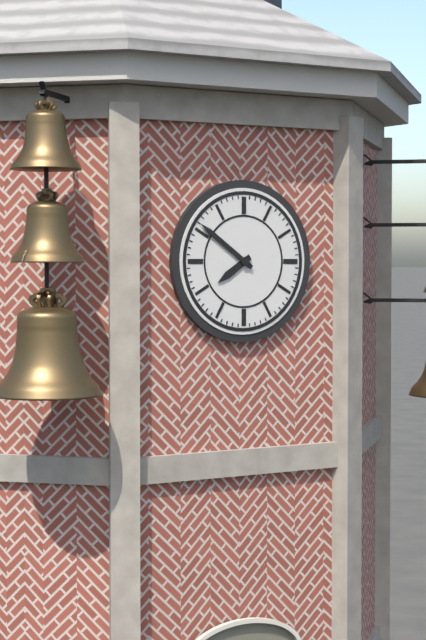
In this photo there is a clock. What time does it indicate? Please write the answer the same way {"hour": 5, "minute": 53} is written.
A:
{"hour": 7, "minute": 51}
